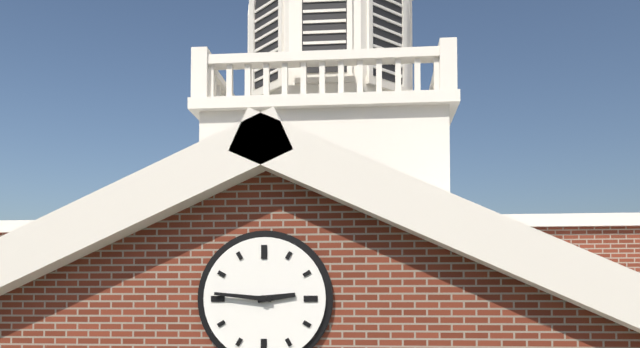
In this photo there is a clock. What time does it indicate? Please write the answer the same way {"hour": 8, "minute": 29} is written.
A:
{"hour": 2, "minute": 46}
